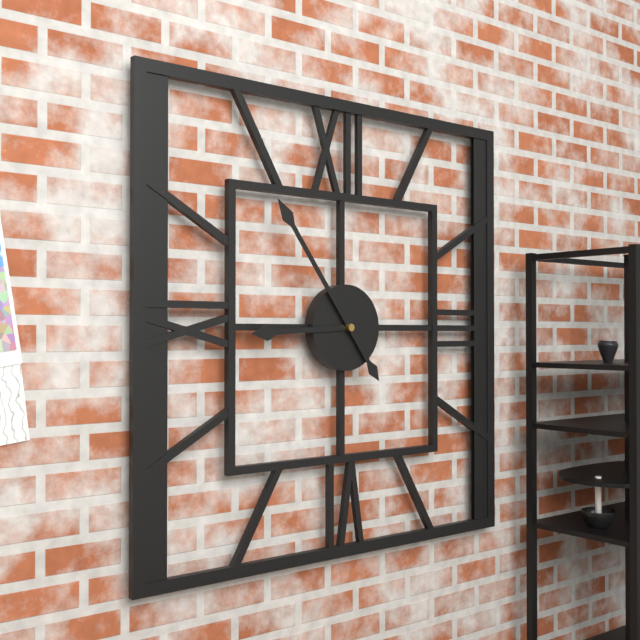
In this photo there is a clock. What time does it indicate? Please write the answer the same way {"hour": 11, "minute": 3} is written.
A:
{"hour": 8, "minute": 54}
